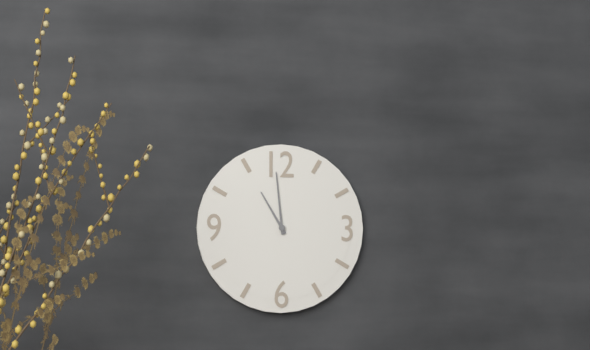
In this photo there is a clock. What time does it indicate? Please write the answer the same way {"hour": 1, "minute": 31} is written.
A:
{"hour": 10, "minute": 59}
